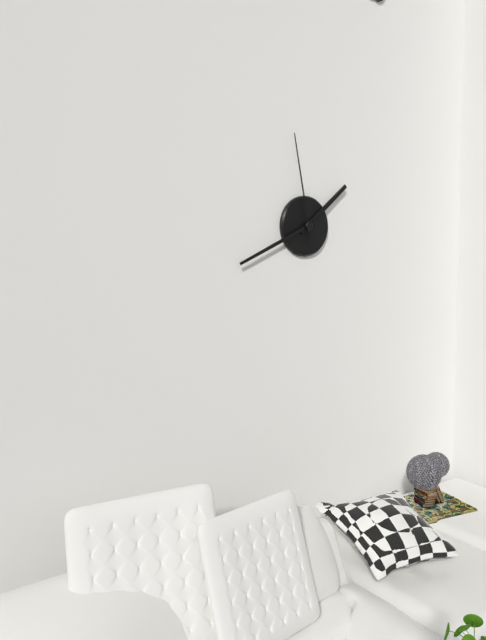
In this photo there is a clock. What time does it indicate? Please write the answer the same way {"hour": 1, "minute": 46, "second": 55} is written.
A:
{"hour": 1, "minute": 41, "second": 58}
